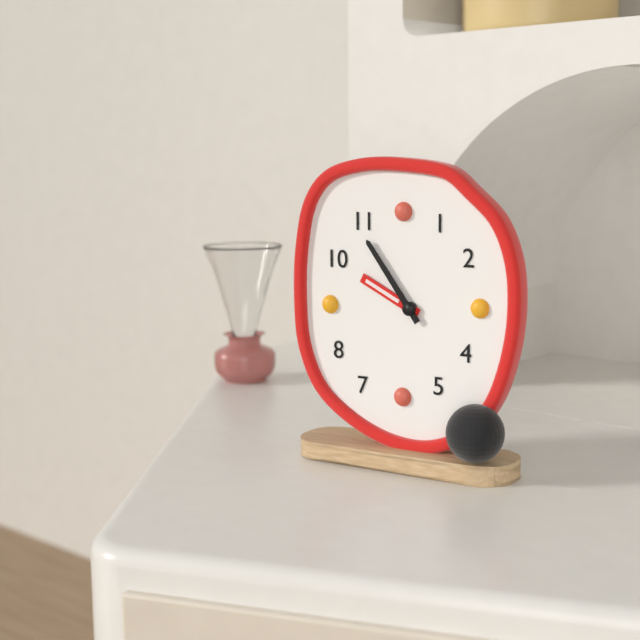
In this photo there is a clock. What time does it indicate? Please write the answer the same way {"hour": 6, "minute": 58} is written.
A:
{"hour": 9, "minute": 54}
